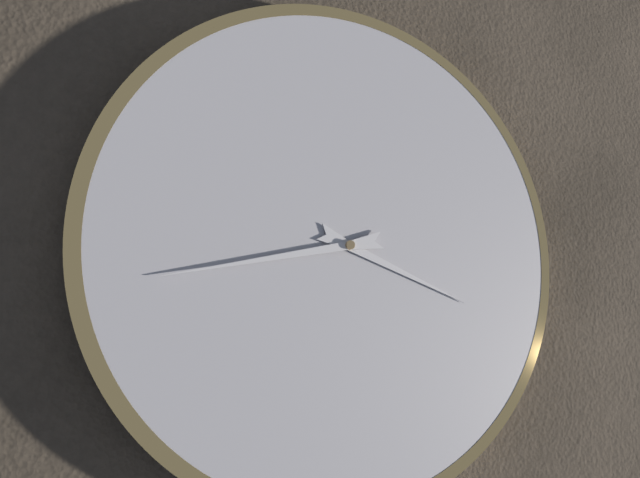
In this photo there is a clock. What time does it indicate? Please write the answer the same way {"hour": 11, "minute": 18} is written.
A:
{"hour": 3, "minute": 43}
